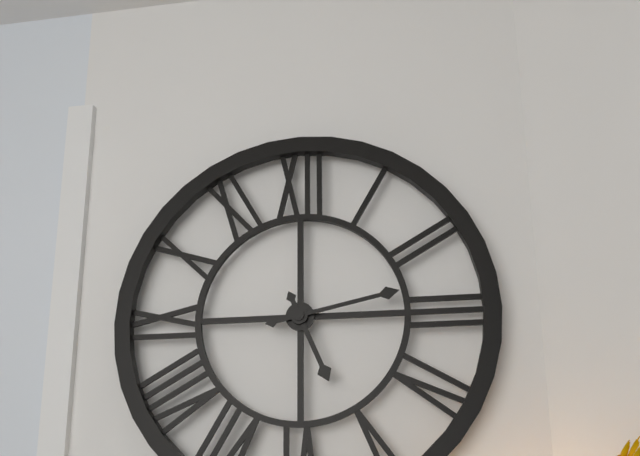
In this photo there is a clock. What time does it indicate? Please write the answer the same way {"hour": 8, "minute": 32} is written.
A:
{"hour": 5, "minute": 13}
